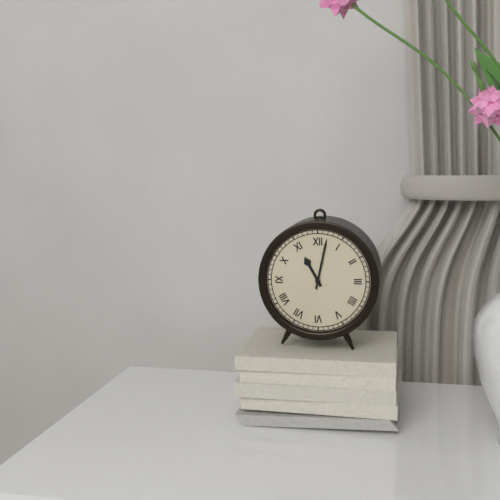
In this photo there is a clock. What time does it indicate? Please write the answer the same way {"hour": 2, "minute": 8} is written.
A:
{"hour": 11, "minute": 2}
